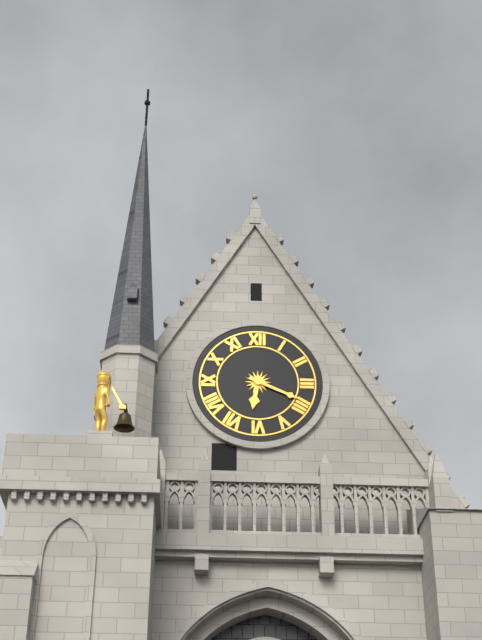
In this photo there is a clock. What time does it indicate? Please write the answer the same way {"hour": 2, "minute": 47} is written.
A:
{"hour": 6, "minute": 19}
